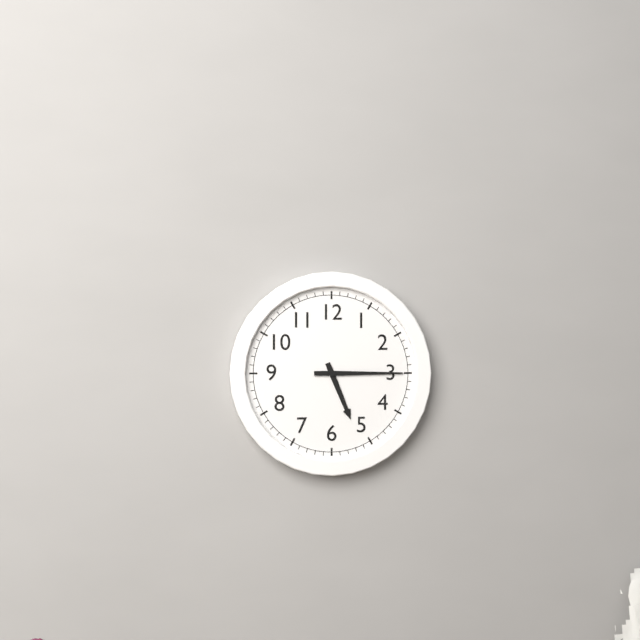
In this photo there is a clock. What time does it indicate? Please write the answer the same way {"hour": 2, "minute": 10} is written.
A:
{"hour": 5, "minute": 15}
